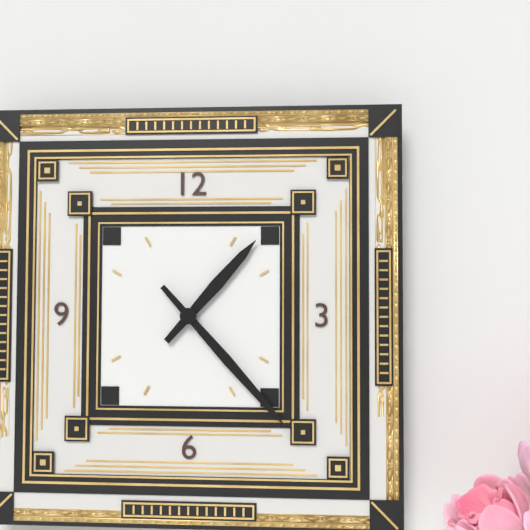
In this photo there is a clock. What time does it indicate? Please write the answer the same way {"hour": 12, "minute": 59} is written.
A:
{"hour": 1, "minute": 23}
